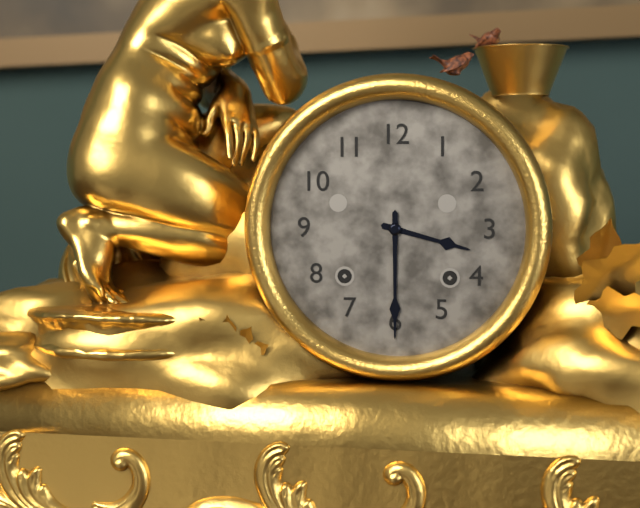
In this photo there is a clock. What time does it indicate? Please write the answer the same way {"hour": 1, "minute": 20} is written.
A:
{"hour": 3, "minute": 30}
